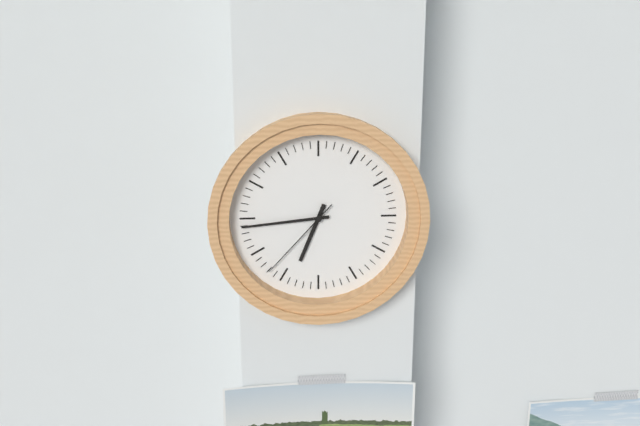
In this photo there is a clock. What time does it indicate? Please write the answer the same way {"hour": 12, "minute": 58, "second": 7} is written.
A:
{"hour": 6, "minute": 44, "second": 37}
